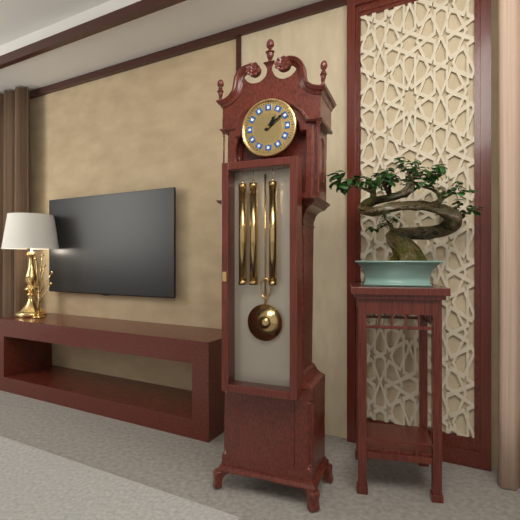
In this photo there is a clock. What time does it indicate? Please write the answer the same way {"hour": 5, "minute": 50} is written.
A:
{"hour": 1, "minute": 9}
